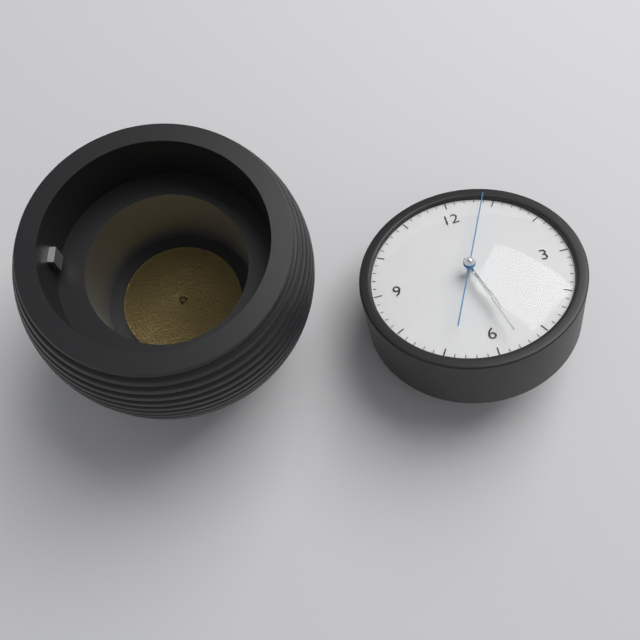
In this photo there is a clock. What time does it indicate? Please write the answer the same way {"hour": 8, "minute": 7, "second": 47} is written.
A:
{"hour": 5, "minute": 28, "second": 4}
